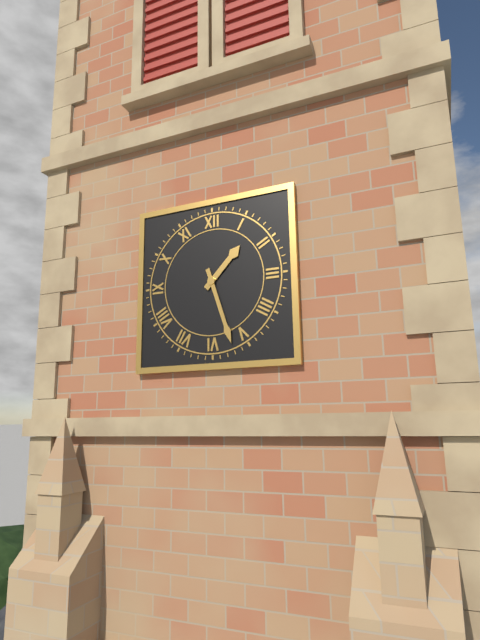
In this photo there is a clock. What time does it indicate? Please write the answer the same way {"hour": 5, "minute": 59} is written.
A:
{"hour": 1, "minute": 27}
